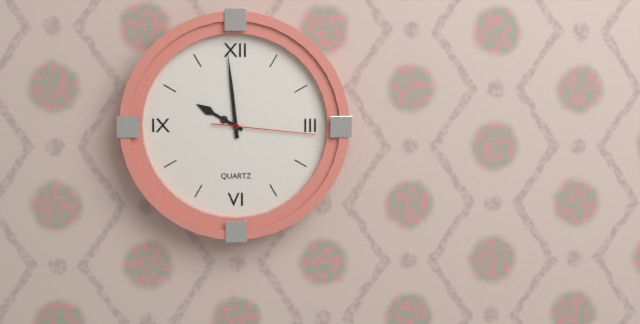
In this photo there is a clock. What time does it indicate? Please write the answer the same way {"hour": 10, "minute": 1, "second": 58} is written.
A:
{"hour": 9, "minute": 59, "second": 16}
